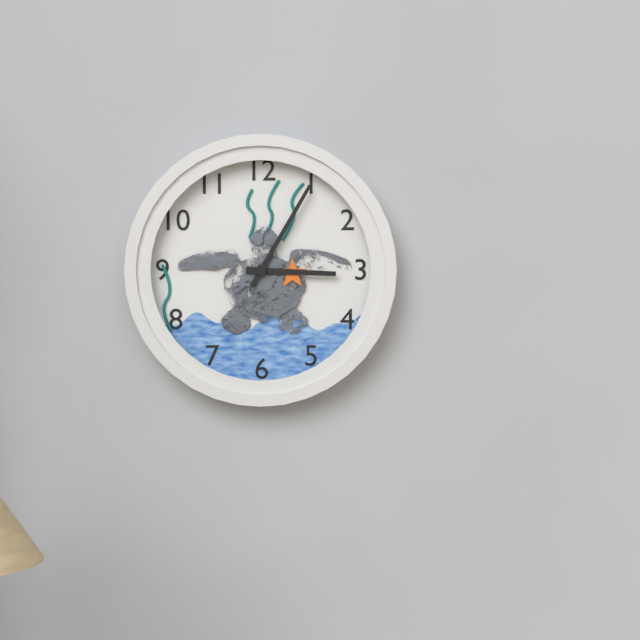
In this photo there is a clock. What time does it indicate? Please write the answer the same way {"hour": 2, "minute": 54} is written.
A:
{"hour": 3, "minute": 5}
